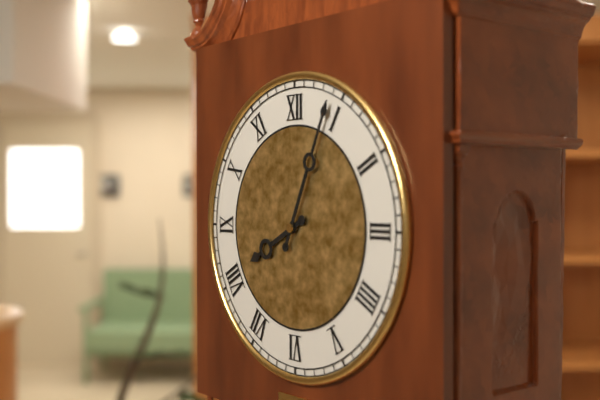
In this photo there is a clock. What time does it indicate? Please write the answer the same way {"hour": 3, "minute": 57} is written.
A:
{"hour": 8, "minute": 4}
